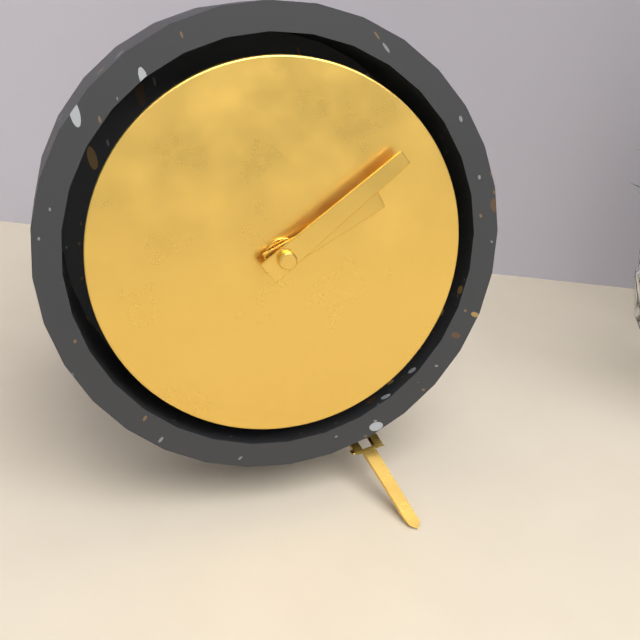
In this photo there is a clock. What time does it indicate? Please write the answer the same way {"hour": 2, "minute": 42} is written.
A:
{"hour": 2, "minute": 9}
